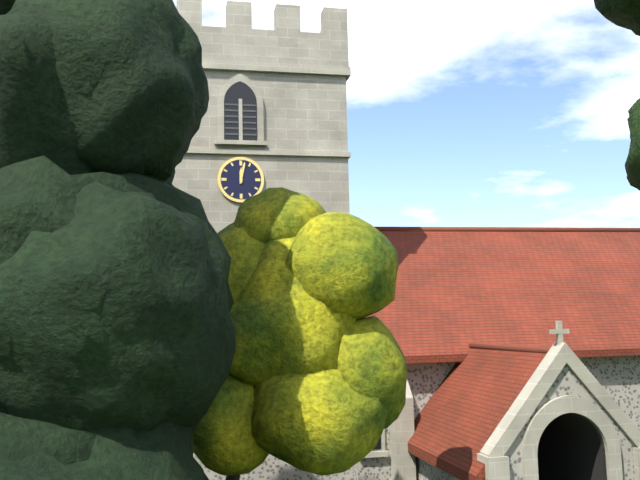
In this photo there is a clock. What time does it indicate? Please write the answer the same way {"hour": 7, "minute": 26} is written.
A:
{"hour": 12, "minute": 2}
